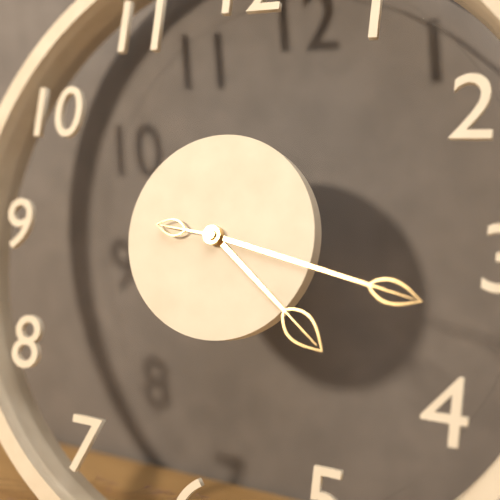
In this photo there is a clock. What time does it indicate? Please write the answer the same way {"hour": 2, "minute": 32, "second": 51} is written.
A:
{"hour": 4, "minute": 17, "second": 46}
